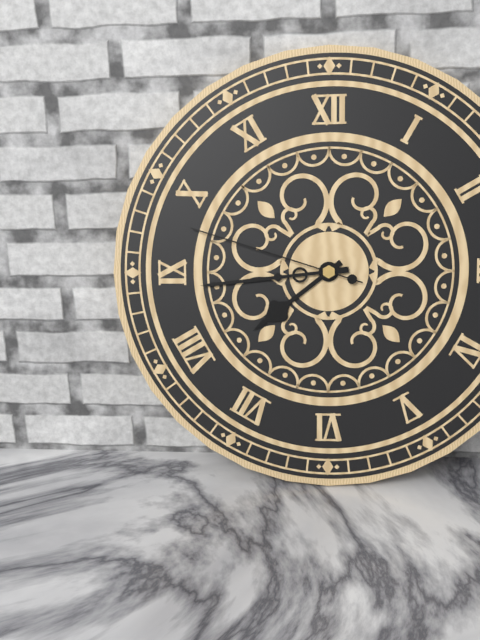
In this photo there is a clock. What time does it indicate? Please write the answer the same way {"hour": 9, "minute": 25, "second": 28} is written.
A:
{"hour": 7, "minute": 44, "second": 48}
